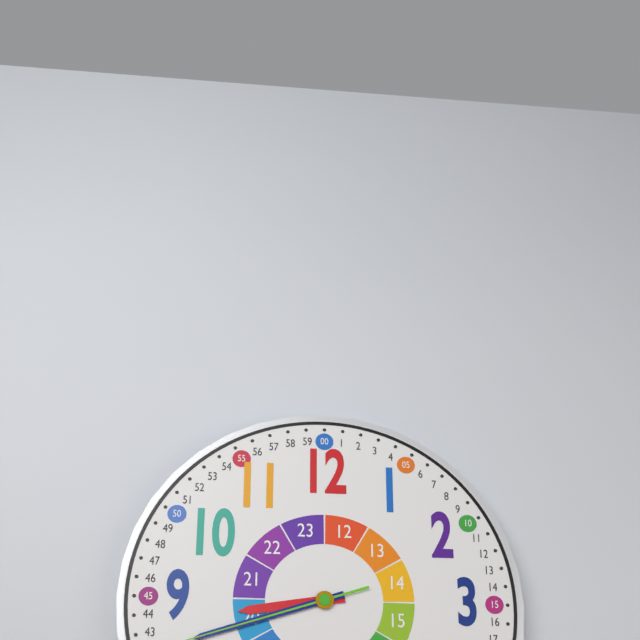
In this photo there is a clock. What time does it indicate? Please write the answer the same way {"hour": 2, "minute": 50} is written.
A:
{"hour": 8, "minute": 42}
